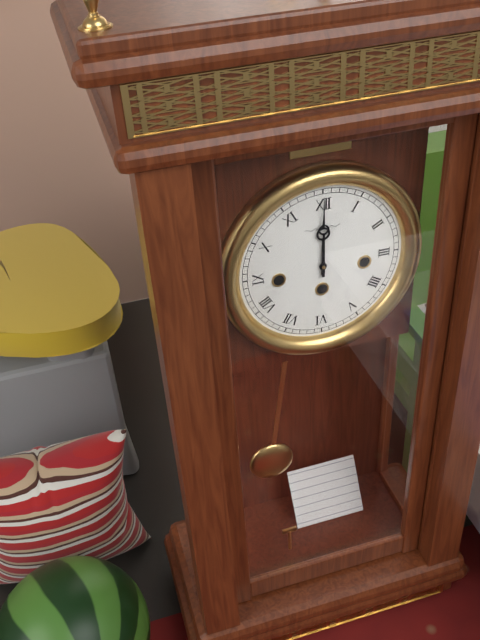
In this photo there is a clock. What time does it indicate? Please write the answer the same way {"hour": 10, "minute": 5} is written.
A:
{"hour": 12, "minute": 0}
